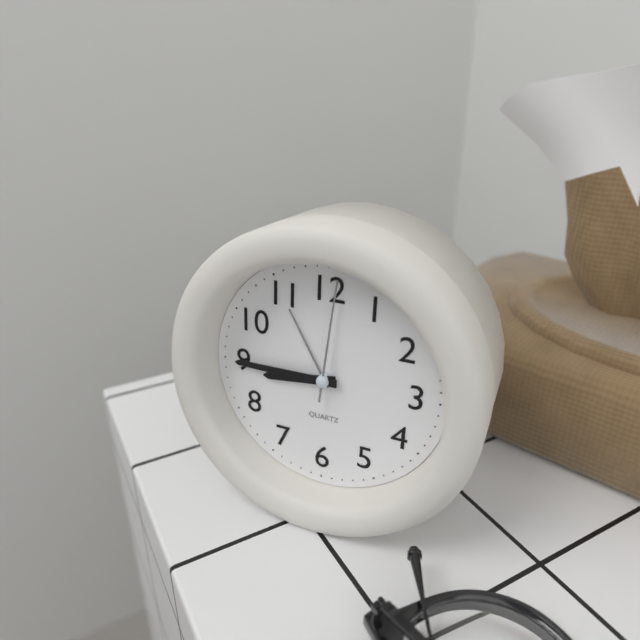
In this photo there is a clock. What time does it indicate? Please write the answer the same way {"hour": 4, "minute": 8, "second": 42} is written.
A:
{"hour": 8, "minute": 45, "second": 1}
